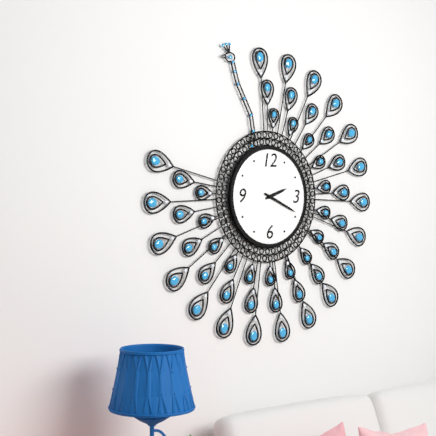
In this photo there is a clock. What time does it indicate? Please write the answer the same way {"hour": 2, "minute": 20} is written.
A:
{"hour": 2, "minute": 19}
